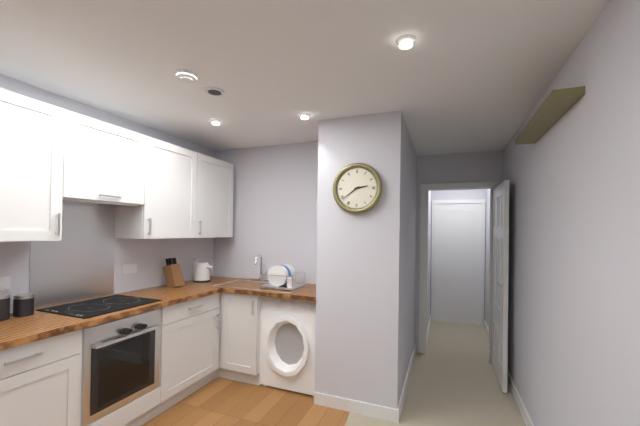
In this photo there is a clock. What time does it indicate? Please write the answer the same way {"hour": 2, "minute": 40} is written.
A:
{"hour": 2, "minute": 39}
